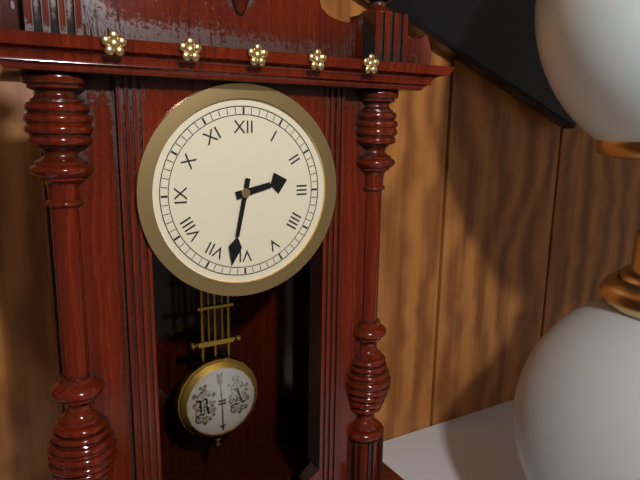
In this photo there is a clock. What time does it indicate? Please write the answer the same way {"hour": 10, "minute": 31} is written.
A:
{"hour": 2, "minute": 32}
